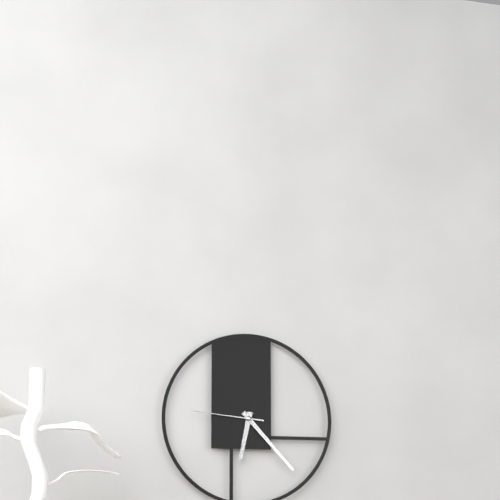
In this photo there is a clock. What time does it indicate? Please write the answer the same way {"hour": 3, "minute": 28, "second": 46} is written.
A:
{"hour": 6, "minute": 23, "second": 46}
